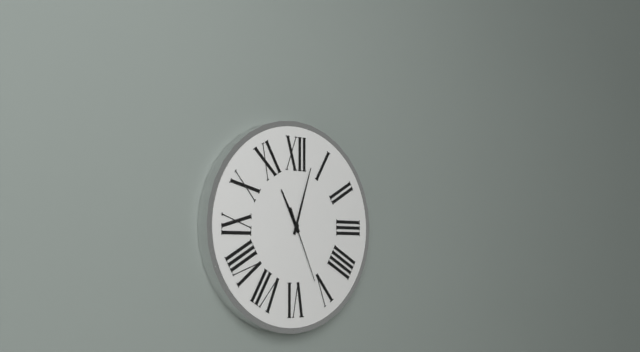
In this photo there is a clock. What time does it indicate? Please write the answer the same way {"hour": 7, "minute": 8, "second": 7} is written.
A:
{"hour": 11, "minute": 3, "second": 26}
